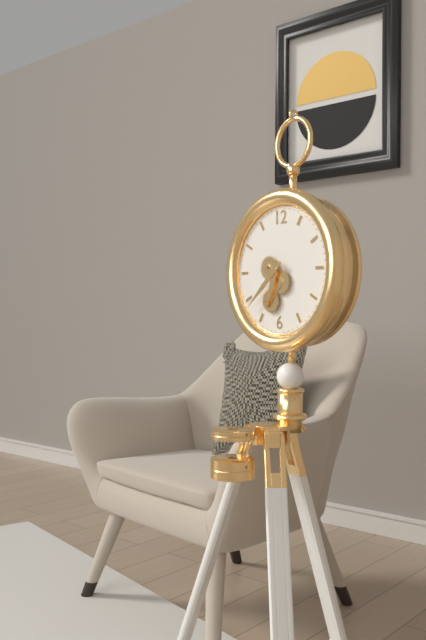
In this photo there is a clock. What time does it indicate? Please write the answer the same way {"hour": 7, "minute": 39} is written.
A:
{"hour": 6, "minute": 38}
